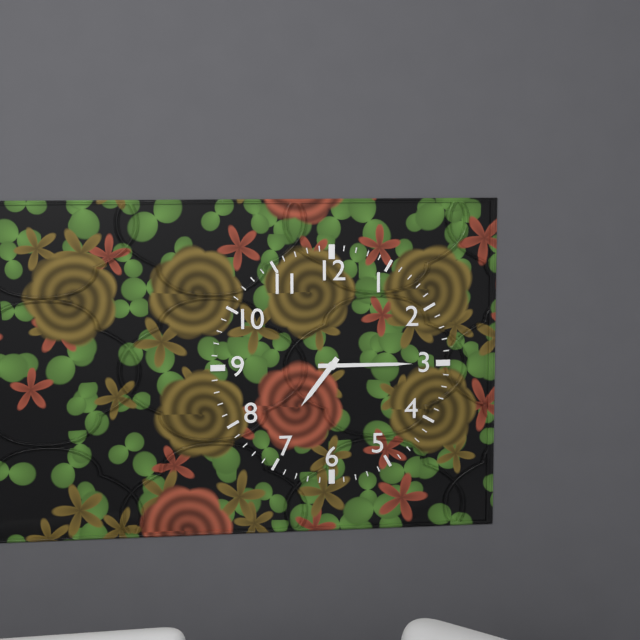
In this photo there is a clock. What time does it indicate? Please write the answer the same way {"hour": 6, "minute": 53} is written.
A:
{"hour": 7, "minute": 15}
